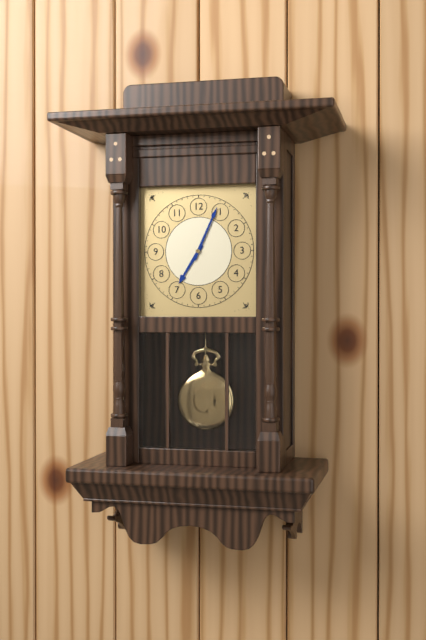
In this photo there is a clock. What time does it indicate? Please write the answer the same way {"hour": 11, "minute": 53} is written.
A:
{"hour": 7, "minute": 4}
